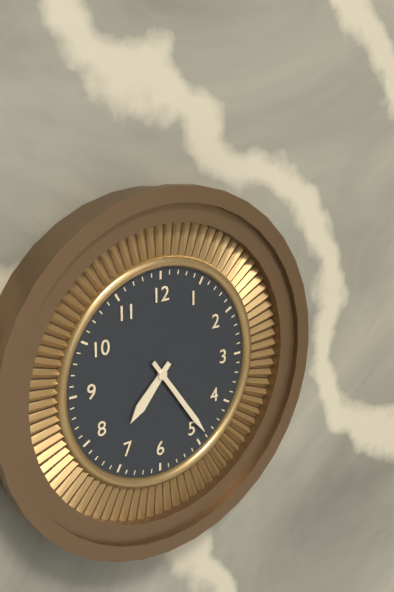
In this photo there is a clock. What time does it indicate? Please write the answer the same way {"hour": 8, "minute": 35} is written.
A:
{"hour": 7, "minute": 24}
